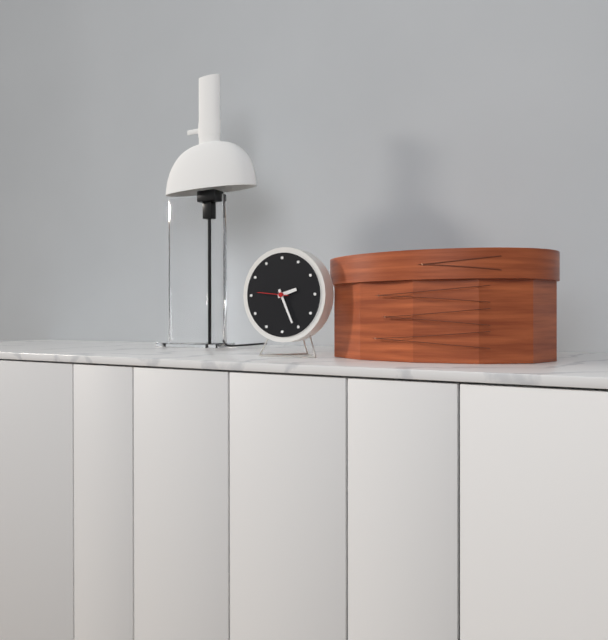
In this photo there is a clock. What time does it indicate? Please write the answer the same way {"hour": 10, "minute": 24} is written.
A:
{"hour": 2, "minute": 26}
